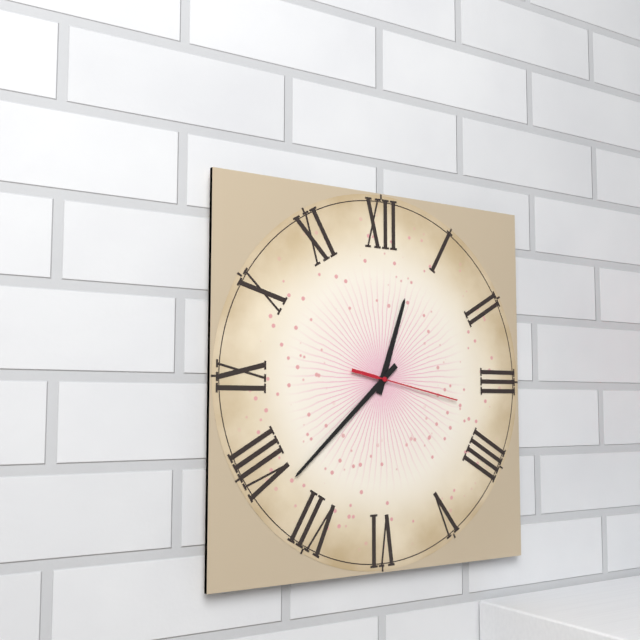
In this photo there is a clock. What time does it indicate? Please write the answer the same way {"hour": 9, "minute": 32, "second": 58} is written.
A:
{"hour": 12, "minute": 38, "second": 17}
